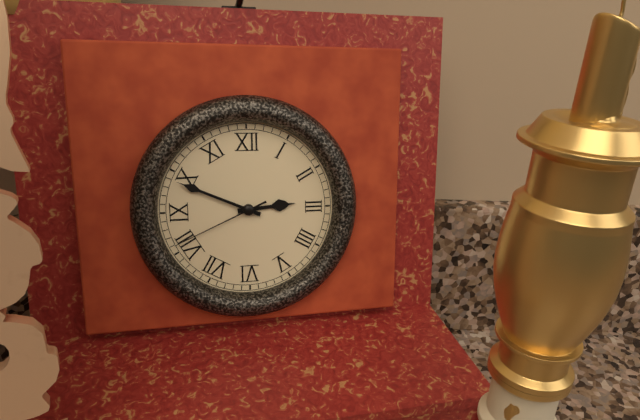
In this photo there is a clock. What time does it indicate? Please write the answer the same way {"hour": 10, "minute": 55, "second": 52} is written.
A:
{"hour": 2, "minute": 49, "second": 41}
